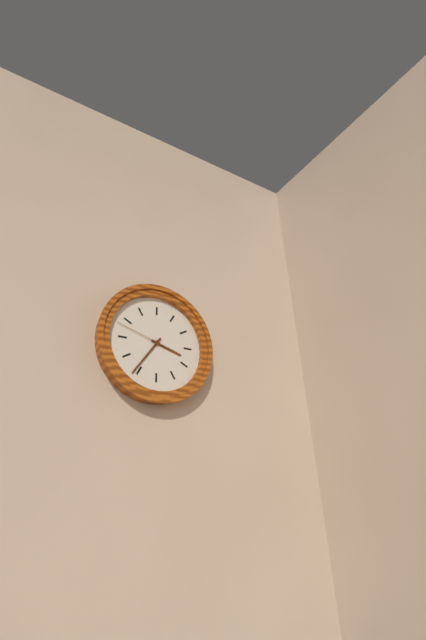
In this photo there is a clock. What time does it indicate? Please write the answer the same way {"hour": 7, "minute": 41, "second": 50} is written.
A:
{"hour": 3, "minute": 36, "second": 48}
